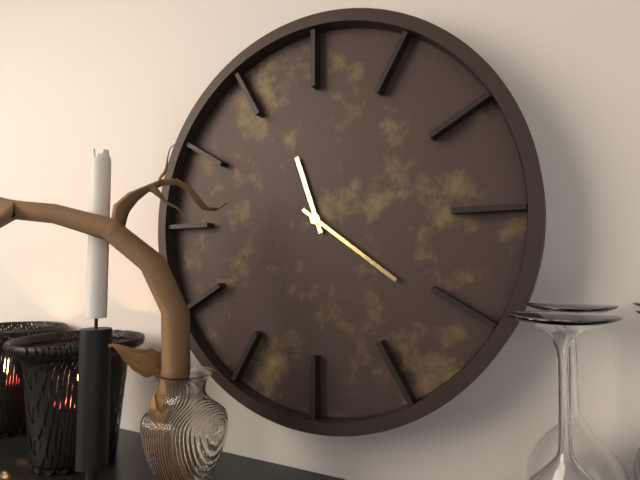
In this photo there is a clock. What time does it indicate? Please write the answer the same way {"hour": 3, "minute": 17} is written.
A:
{"hour": 11, "minute": 21}
